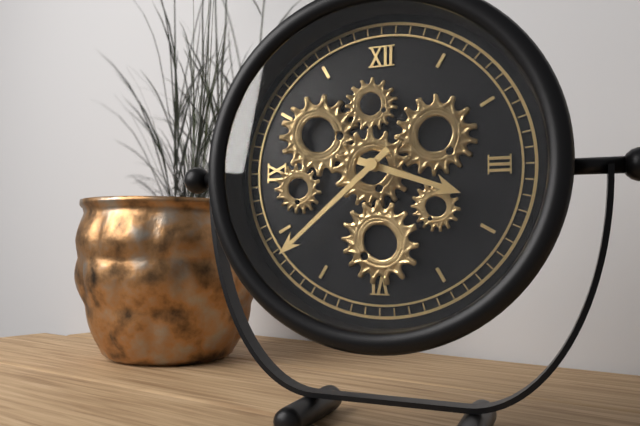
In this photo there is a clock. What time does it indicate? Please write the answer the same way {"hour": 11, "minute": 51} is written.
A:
{"hour": 3, "minute": 38}
